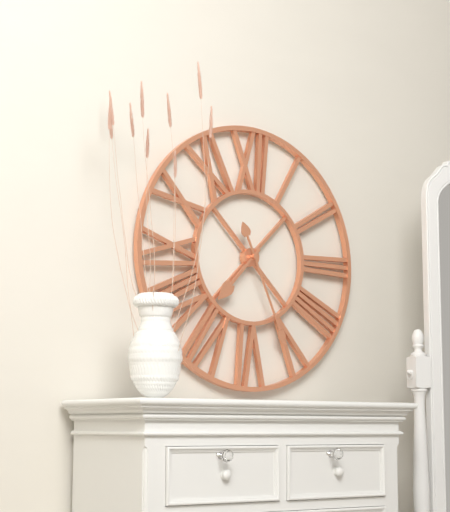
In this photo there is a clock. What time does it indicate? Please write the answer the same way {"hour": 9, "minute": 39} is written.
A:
{"hour": 7, "minute": 26}
